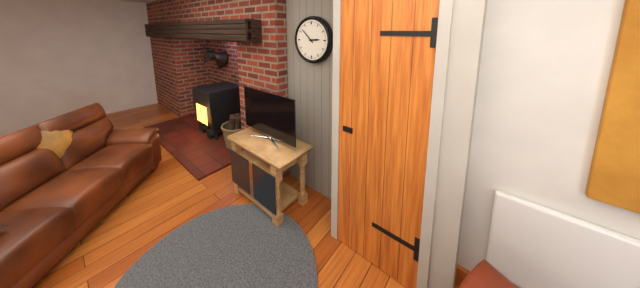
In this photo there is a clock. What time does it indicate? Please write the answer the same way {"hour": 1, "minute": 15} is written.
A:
{"hour": 2, "minute": 52}
